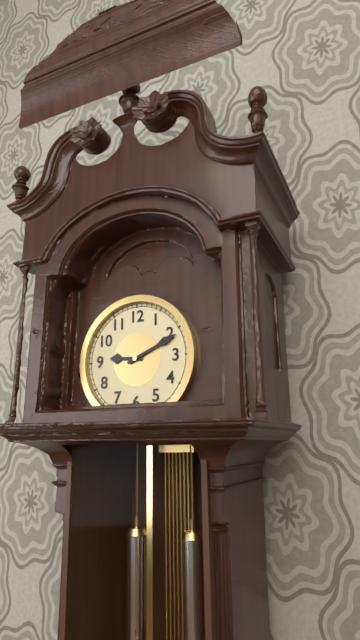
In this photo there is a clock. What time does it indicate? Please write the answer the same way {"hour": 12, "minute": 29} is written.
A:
{"hour": 9, "minute": 11}
